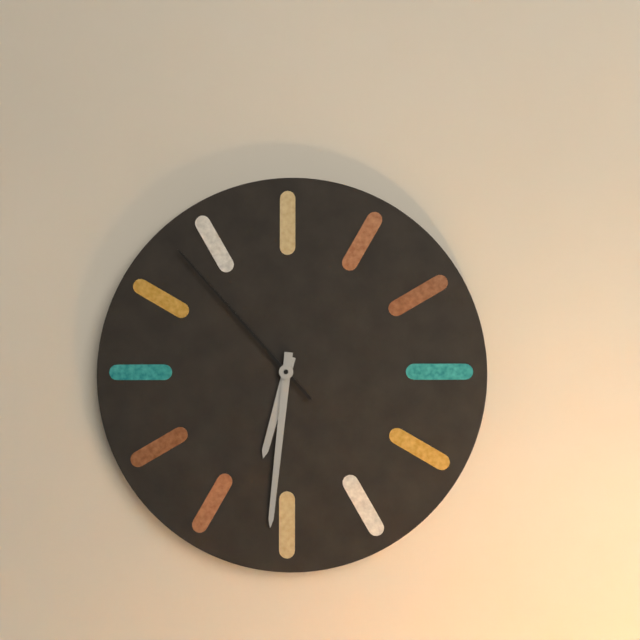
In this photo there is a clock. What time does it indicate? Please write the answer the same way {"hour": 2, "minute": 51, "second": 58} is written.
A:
{"hour": 6, "minute": 31, "second": 53}
